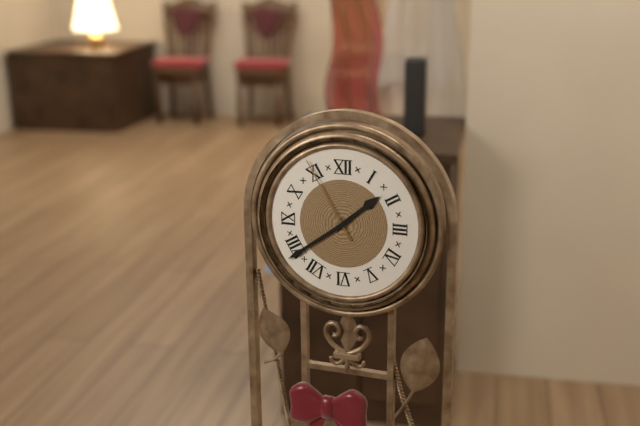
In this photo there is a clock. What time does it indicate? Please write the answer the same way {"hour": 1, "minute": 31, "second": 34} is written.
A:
{"hour": 1, "minute": 39, "second": 55}
